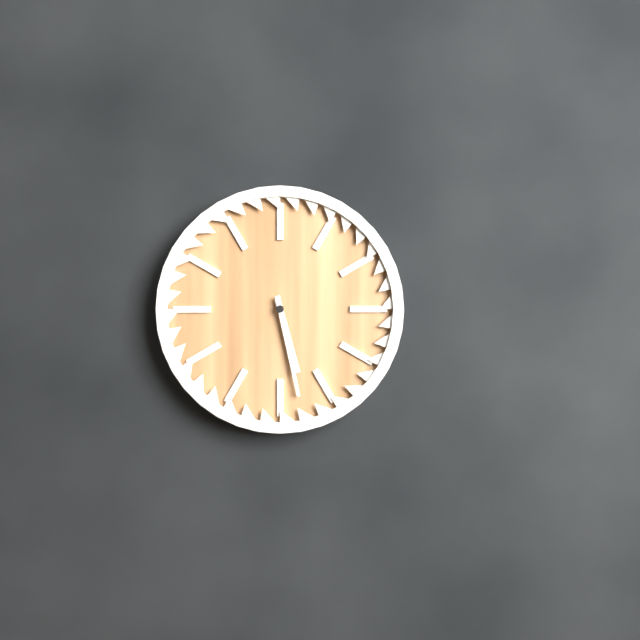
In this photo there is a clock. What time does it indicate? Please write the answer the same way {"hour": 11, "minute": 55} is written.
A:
{"hour": 5, "minute": 28}
